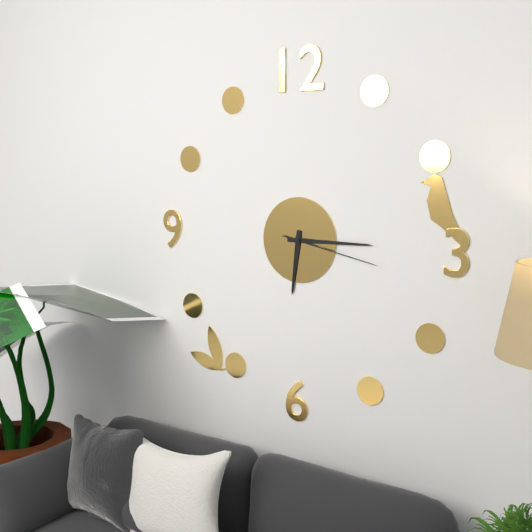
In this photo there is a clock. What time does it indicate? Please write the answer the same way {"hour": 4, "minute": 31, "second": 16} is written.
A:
{"hour": 6, "minute": 15, "second": 17}
